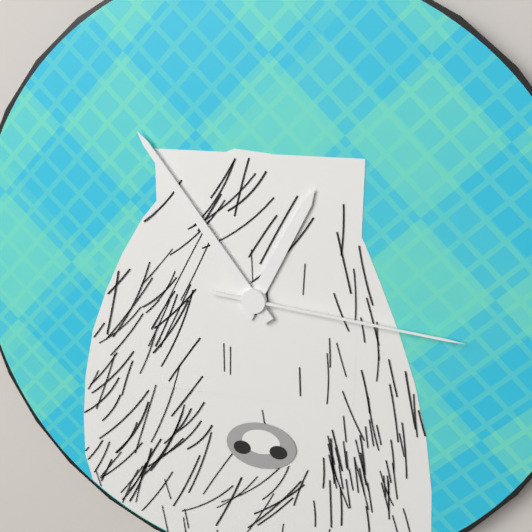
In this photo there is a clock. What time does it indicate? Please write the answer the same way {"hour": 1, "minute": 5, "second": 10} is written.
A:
{"hour": 12, "minute": 54, "second": 16}
